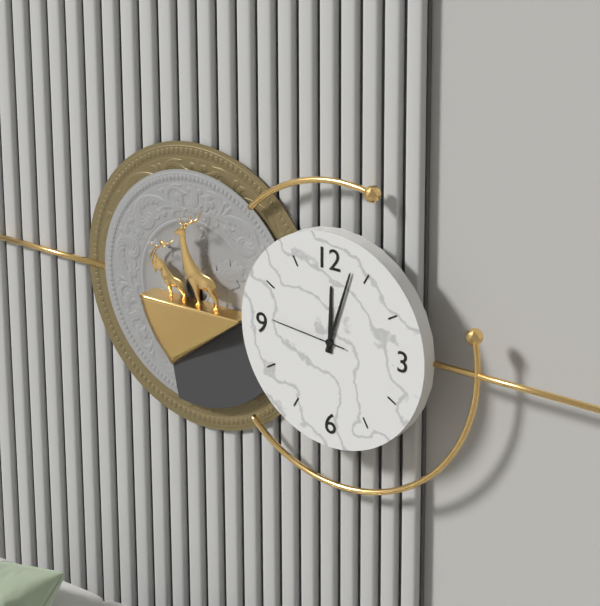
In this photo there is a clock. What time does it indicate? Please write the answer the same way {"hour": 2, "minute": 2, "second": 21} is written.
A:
{"hour": 12, "minute": 3, "second": 46}
